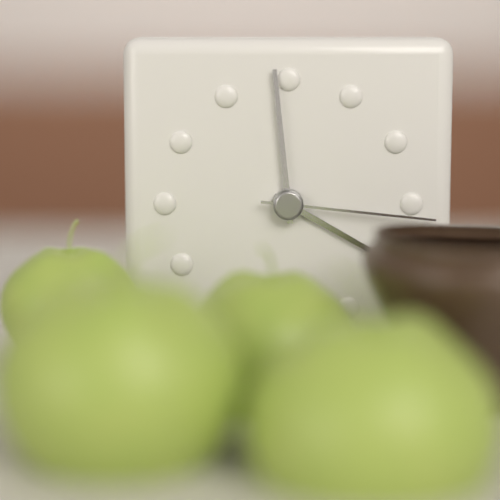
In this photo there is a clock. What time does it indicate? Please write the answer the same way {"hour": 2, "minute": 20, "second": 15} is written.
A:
{"hour": 3, "minute": 59, "second": 16}
